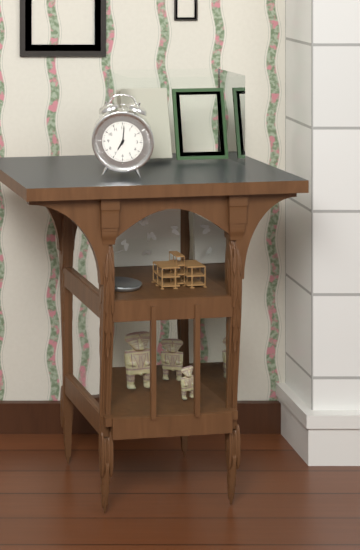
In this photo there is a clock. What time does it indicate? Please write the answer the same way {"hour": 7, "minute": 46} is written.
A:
{"hour": 7, "minute": 1}
